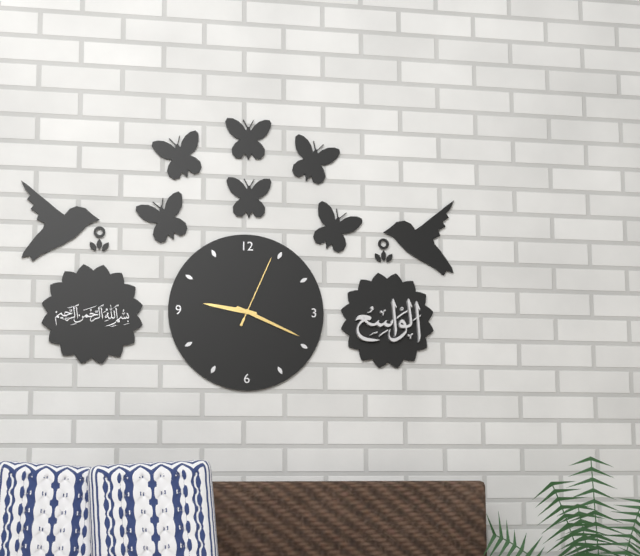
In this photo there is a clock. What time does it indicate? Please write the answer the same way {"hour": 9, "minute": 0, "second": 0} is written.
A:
{"hour": 9, "minute": 19, "second": 4}
